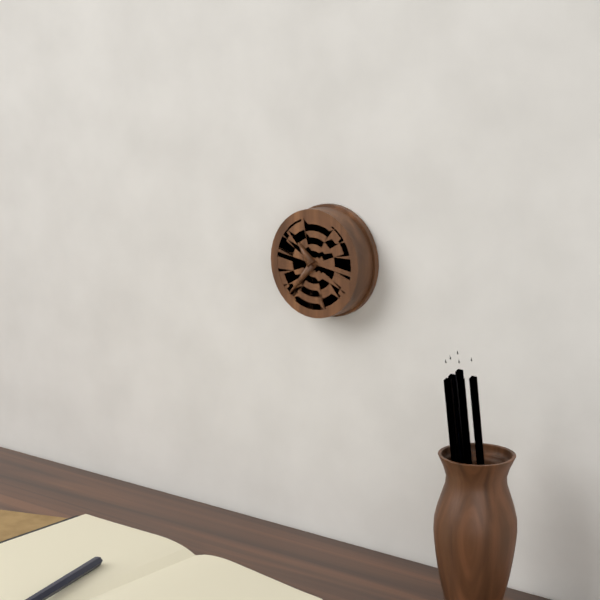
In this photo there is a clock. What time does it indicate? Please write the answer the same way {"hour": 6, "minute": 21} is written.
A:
{"hour": 10, "minute": 37}
